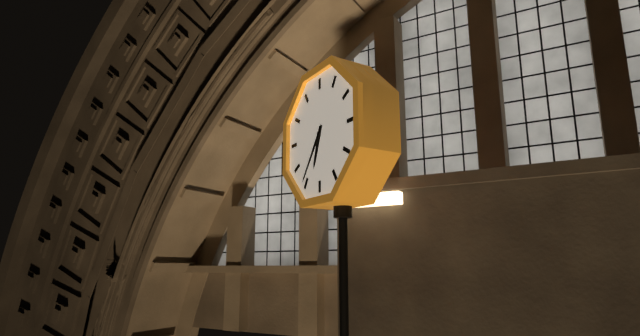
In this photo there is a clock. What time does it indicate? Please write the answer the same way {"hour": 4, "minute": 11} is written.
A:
{"hour": 6, "minute": 36}
